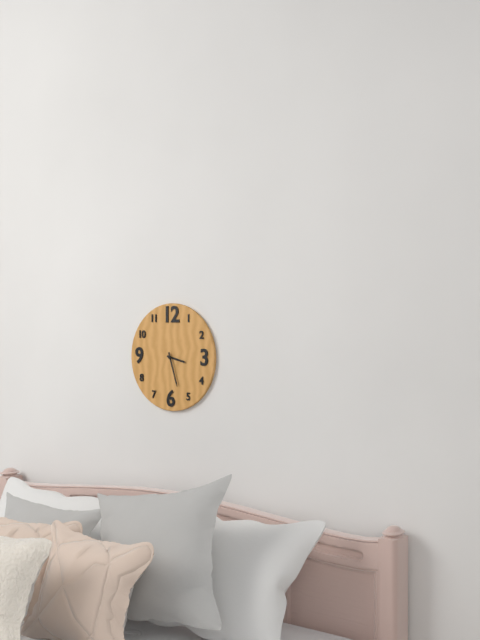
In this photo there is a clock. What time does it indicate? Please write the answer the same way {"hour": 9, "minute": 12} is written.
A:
{"hour": 3, "minute": 27}
